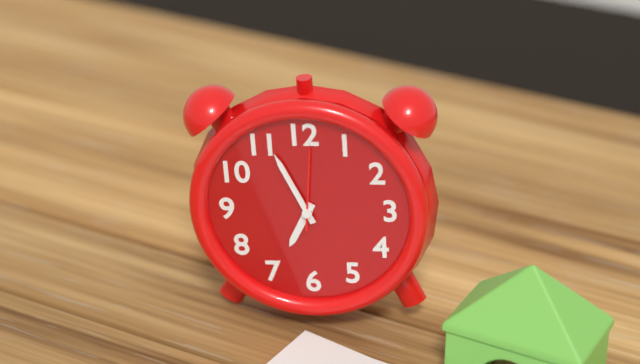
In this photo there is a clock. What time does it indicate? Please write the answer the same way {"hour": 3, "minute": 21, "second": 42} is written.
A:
{"hour": 6, "minute": 56, "second": 1}
